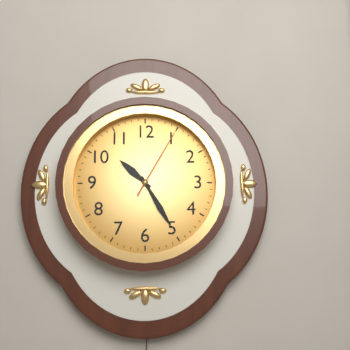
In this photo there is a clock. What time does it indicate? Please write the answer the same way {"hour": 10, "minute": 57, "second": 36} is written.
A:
{"hour": 10, "minute": 25, "second": 5}
